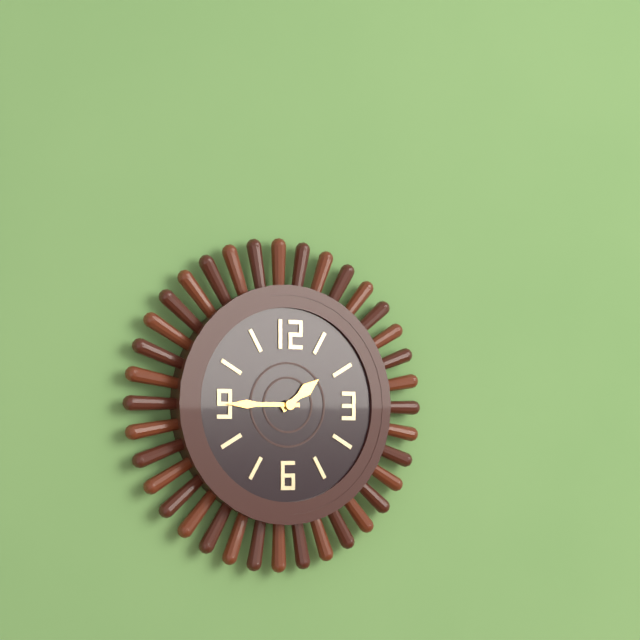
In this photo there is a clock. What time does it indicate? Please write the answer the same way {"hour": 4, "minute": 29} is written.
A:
{"hour": 1, "minute": 45}
